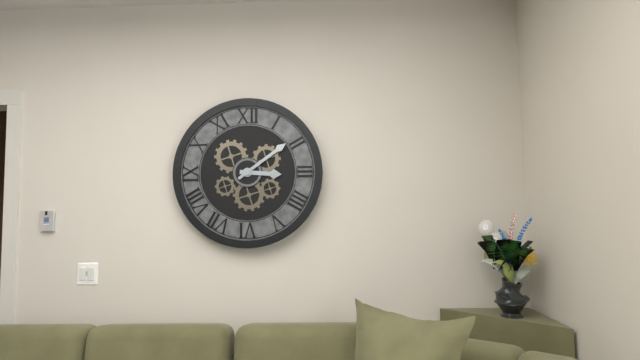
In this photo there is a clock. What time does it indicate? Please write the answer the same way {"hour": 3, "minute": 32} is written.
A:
{"hour": 3, "minute": 9}
